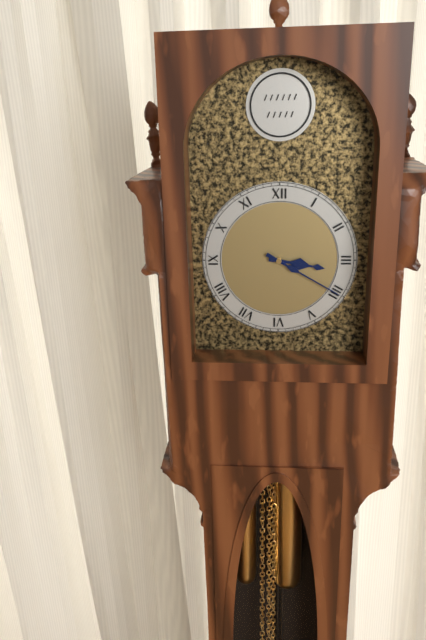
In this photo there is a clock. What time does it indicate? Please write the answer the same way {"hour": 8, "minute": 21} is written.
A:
{"hour": 3, "minute": 20}
